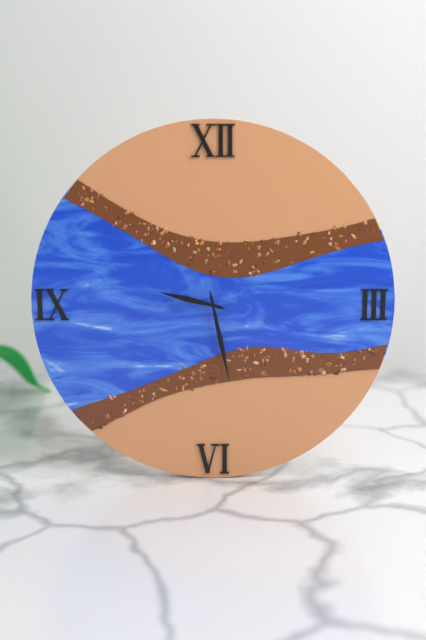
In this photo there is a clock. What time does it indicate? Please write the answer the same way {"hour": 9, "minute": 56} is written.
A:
{"hour": 9, "minute": 28}
